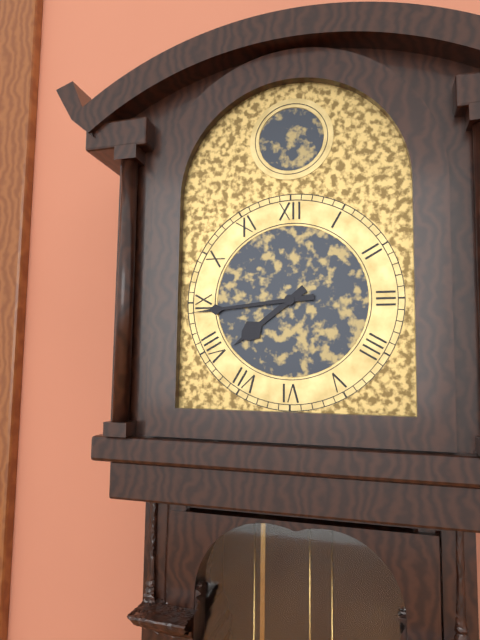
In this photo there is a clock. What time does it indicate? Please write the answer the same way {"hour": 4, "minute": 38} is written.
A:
{"hour": 7, "minute": 44}
